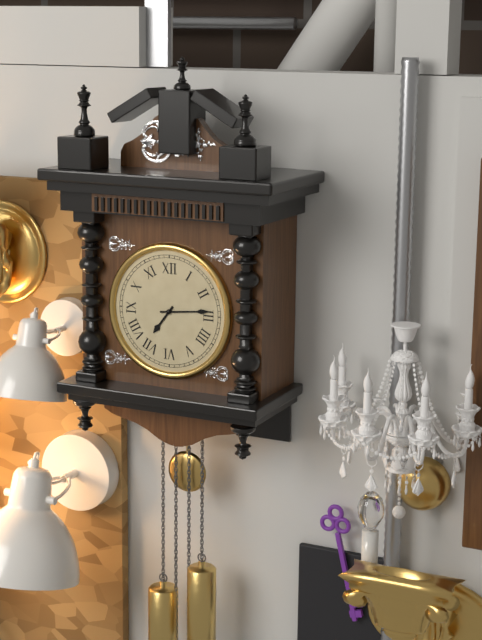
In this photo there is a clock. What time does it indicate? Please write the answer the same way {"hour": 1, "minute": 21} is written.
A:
{"hour": 7, "minute": 14}
